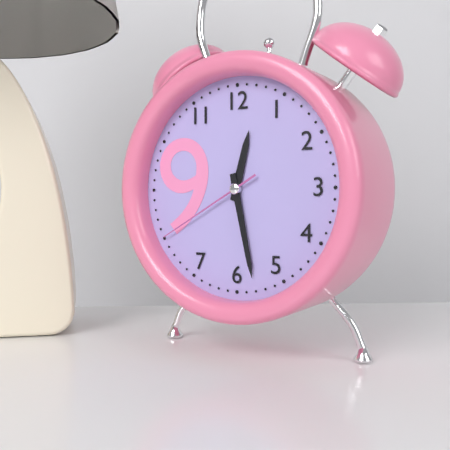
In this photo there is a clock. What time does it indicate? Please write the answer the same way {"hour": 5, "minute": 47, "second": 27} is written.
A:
{"hour": 12, "minute": 28, "second": 40}
